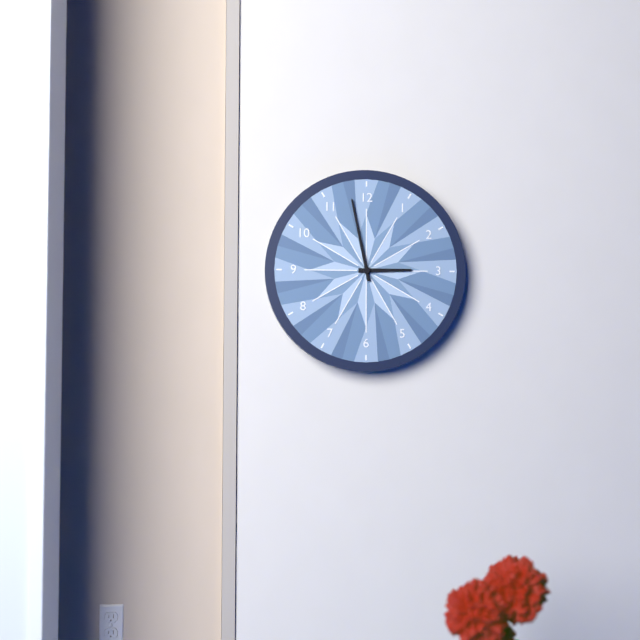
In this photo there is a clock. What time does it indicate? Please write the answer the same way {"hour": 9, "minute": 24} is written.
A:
{"hour": 2, "minute": 58}
